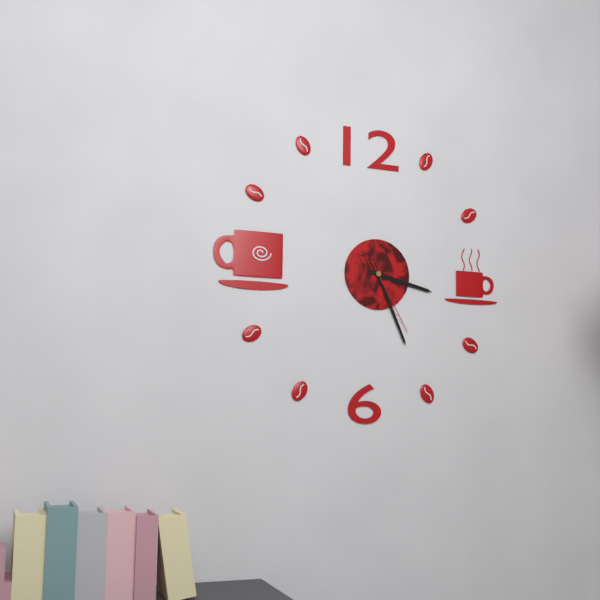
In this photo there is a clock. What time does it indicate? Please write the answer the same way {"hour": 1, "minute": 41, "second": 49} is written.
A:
{"hour": 3, "minute": 26, "second": 25}
